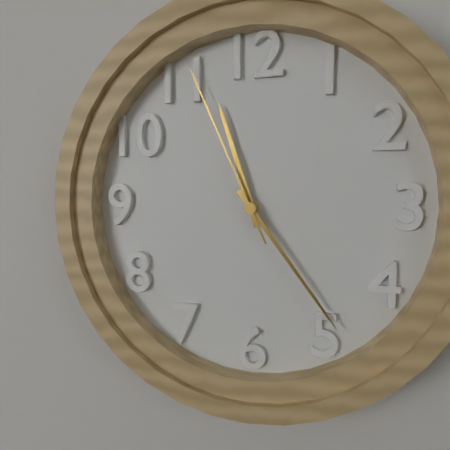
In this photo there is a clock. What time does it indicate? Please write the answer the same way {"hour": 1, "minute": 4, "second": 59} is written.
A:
{"hour": 11, "minute": 24, "second": 56}
